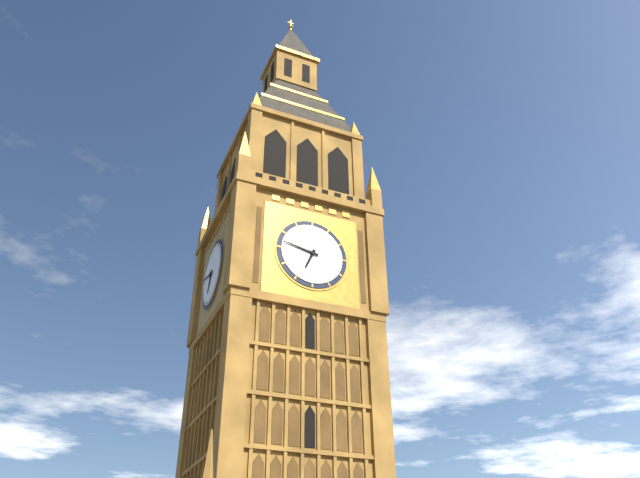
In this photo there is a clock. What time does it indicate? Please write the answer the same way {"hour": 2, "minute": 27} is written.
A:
{"hour": 6, "minute": 47}
